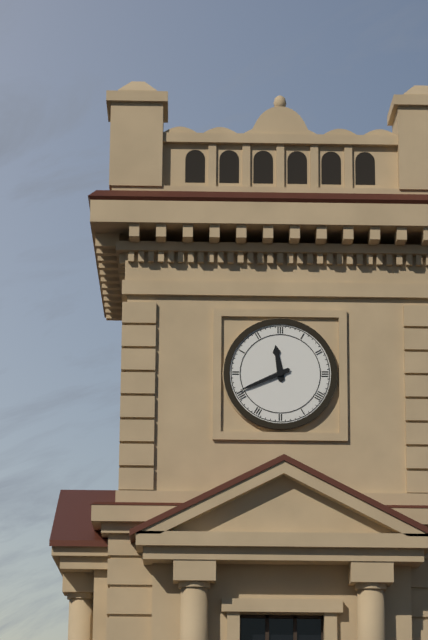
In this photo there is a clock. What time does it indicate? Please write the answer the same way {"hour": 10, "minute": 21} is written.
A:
{"hour": 11, "minute": 41}
